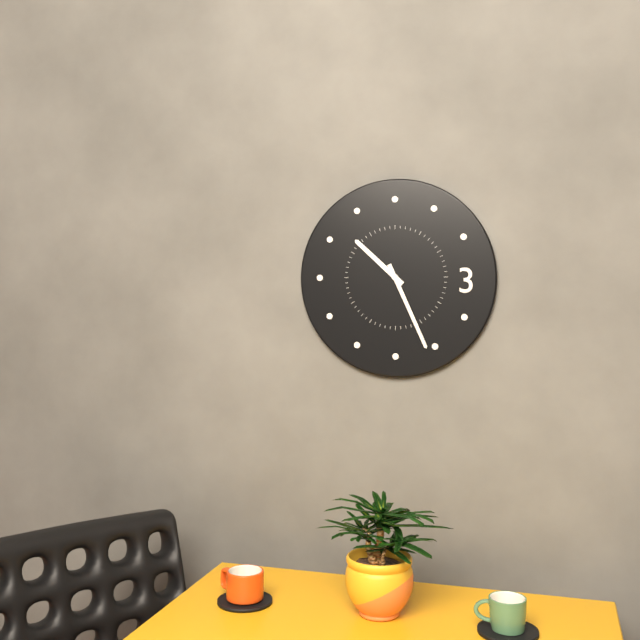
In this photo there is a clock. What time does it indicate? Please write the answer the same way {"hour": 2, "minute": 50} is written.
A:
{"hour": 10, "minute": 26}
